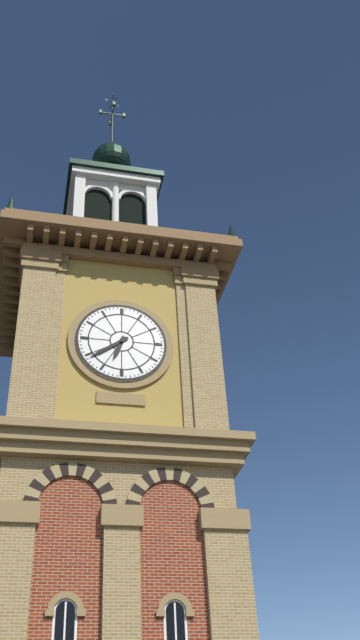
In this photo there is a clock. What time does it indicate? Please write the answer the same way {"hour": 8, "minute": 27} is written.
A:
{"hour": 6, "minute": 39}
